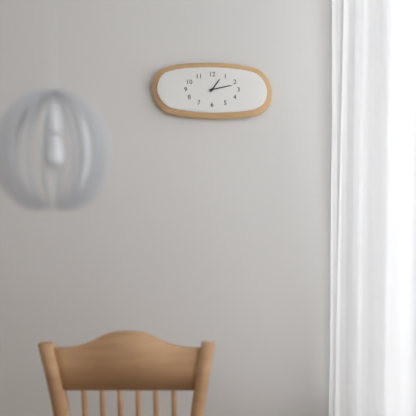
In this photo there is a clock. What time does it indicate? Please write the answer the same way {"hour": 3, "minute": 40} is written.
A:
{"hour": 1, "minute": 13}
